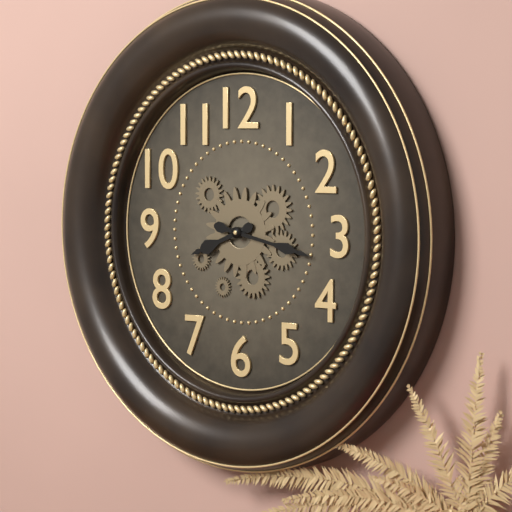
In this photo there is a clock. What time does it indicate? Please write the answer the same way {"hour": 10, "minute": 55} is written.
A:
{"hour": 8, "minute": 17}
